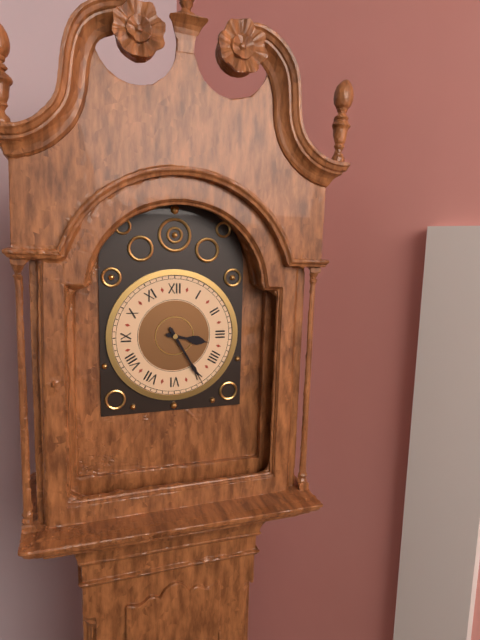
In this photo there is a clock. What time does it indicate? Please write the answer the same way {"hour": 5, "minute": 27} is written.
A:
{"hour": 3, "minute": 25}
